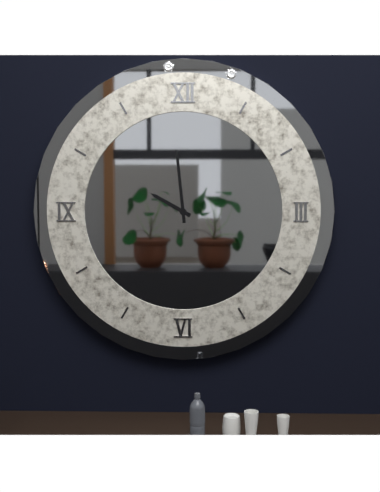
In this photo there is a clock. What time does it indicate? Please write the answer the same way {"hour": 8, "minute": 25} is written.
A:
{"hour": 9, "minute": 59}
